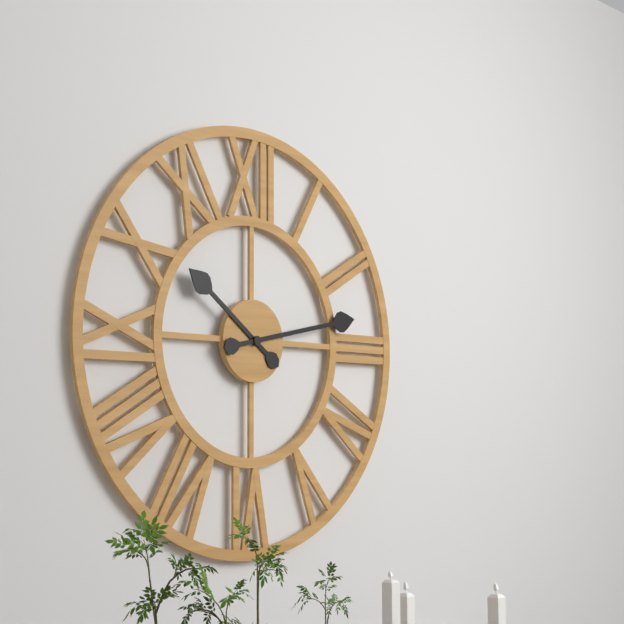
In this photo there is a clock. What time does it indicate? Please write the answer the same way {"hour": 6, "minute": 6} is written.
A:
{"hour": 10, "minute": 13}
